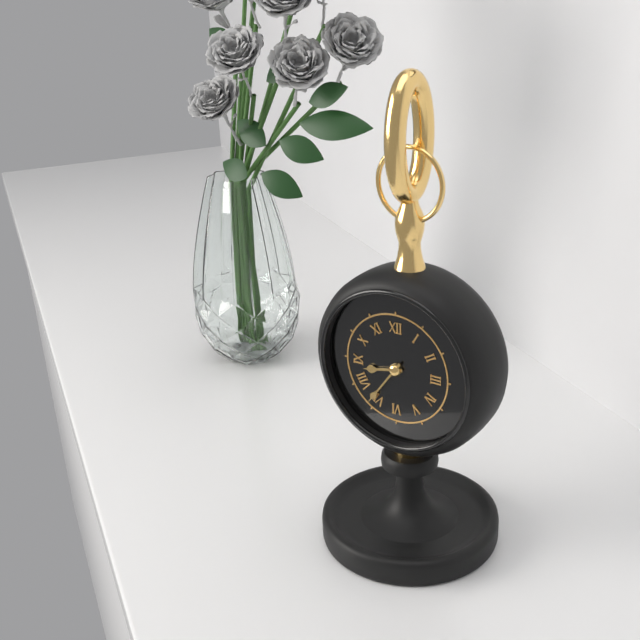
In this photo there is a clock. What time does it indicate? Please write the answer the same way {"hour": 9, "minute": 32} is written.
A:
{"hour": 8, "minute": 36}
